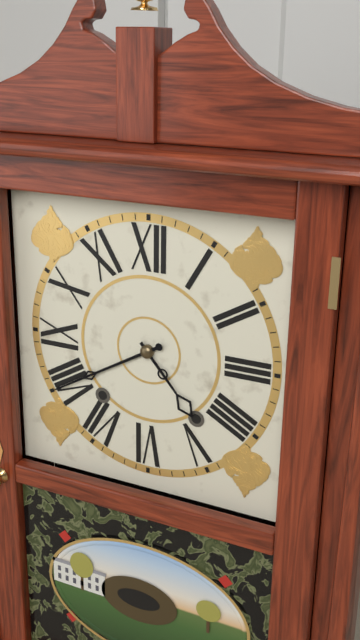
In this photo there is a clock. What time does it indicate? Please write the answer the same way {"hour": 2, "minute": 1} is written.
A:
{"hour": 4, "minute": 40}
